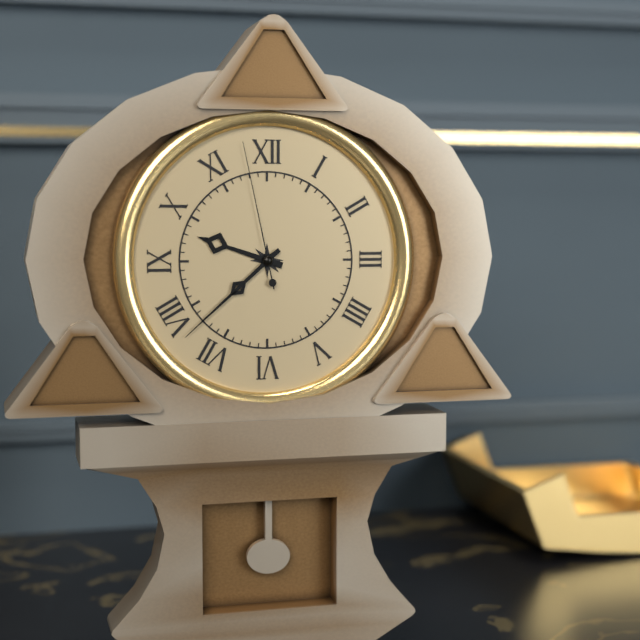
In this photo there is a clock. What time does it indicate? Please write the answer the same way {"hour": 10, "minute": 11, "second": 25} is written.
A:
{"hour": 9, "minute": 38, "second": 58}
